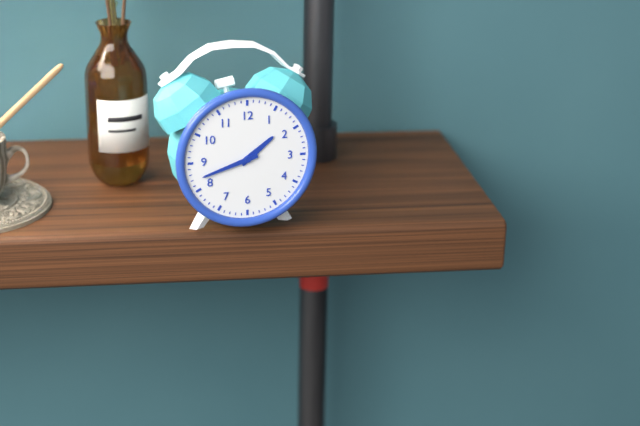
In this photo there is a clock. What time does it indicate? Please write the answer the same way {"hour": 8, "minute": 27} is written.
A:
{"hour": 1, "minute": 42}
